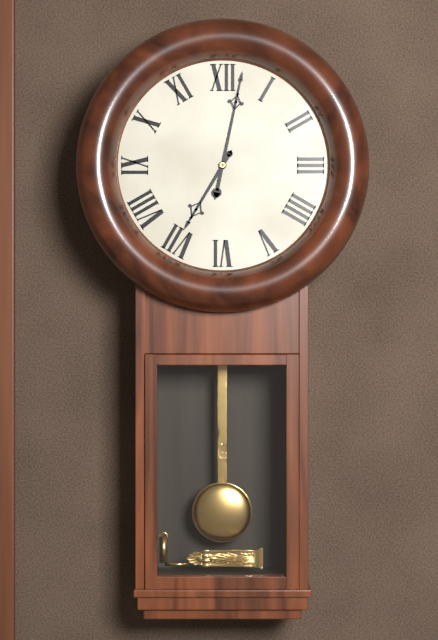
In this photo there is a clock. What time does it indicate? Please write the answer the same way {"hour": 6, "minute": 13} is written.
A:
{"hour": 7, "minute": 2}
